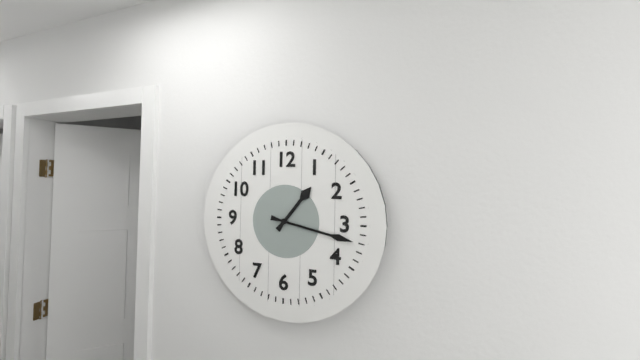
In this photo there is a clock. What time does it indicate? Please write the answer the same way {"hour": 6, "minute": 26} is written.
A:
{"hour": 1, "minute": 17}
